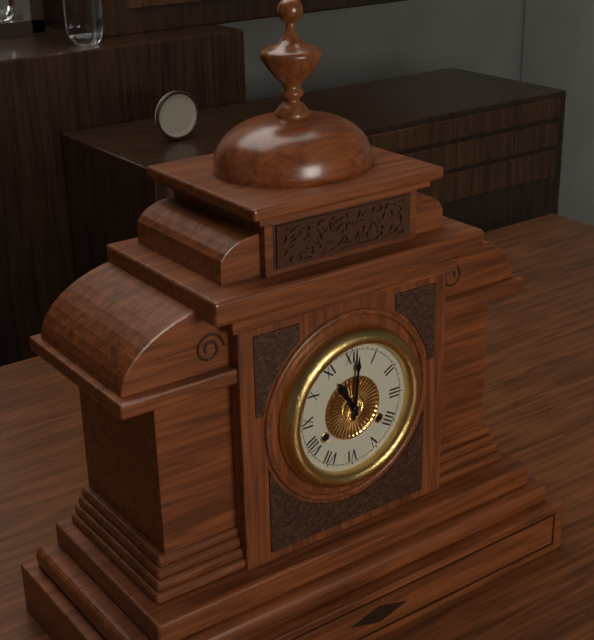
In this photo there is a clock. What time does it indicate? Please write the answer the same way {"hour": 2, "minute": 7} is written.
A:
{"hour": 11, "minute": 1}
